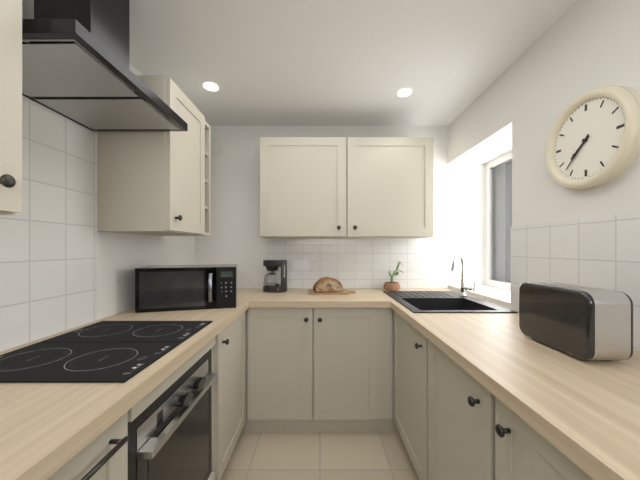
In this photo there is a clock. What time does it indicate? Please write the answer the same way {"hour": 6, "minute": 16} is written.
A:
{"hour": 7, "minute": 37}
